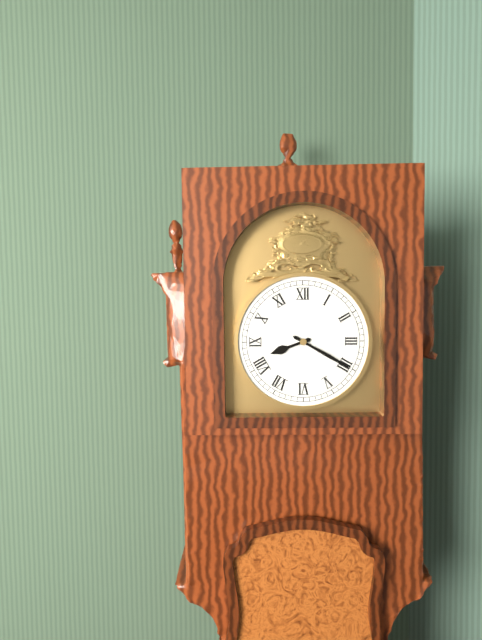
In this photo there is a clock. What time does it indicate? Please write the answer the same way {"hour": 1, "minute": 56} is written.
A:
{"hour": 8, "minute": 20}
